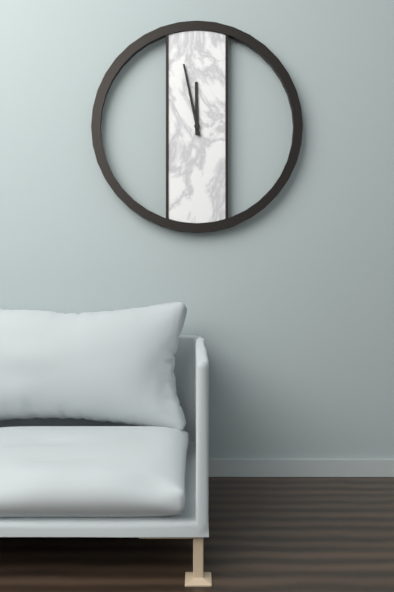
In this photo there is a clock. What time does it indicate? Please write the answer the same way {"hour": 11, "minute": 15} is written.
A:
{"hour": 11, "minute": 58}
